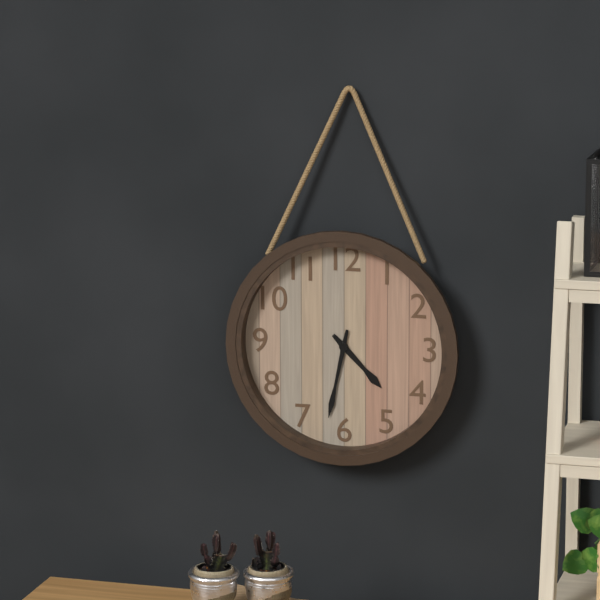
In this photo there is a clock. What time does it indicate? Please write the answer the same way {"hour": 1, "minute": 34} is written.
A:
{"hour": 4, "minute": 32}
